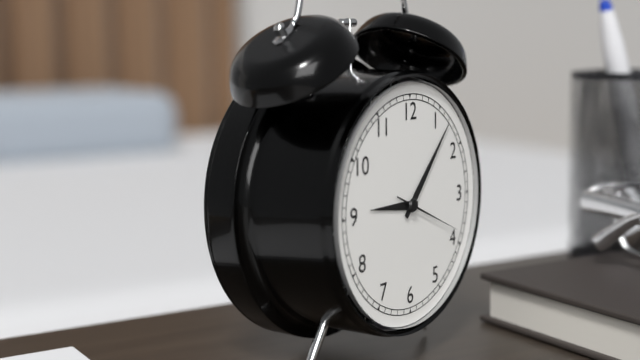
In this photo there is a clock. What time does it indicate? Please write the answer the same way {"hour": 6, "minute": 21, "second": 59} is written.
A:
{"hour": 9, "minute": 7, "second": 19}
